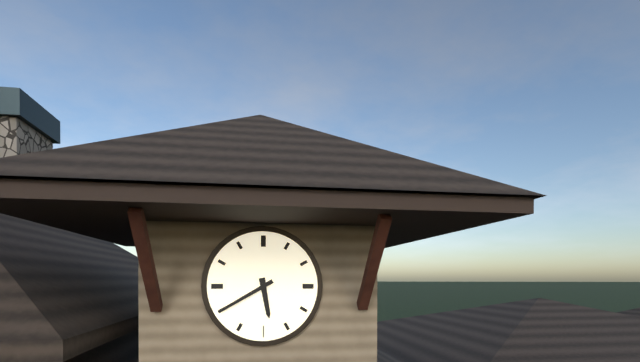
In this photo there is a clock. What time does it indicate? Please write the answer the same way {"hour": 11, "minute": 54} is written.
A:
{"hour": 5, "minute": 40}
